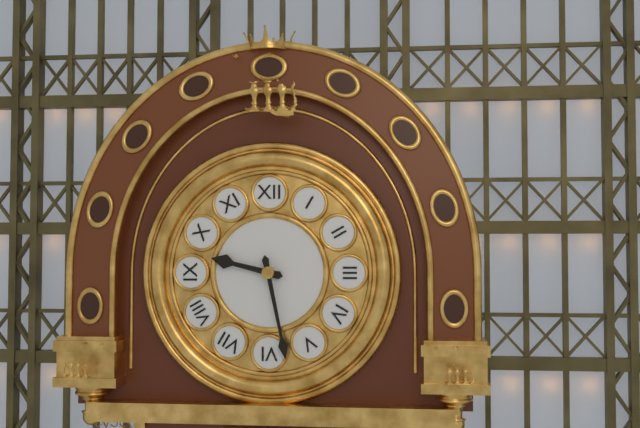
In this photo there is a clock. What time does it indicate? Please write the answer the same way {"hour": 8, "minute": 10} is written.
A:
{"hour": 9, "minute": 28}
